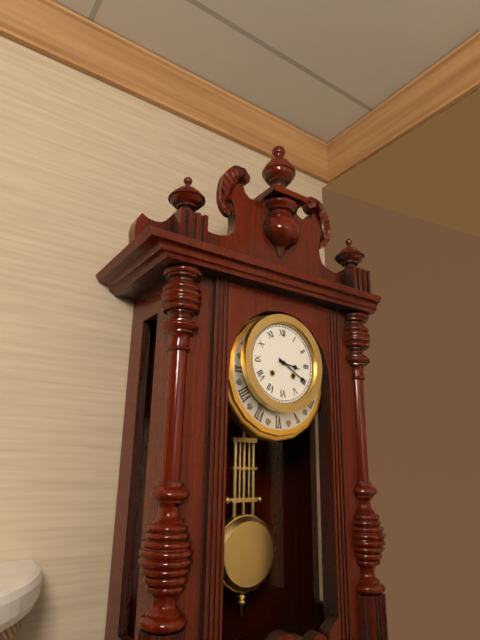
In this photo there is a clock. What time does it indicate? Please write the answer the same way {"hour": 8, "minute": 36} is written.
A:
{"hour": 3, "minute": 20}
